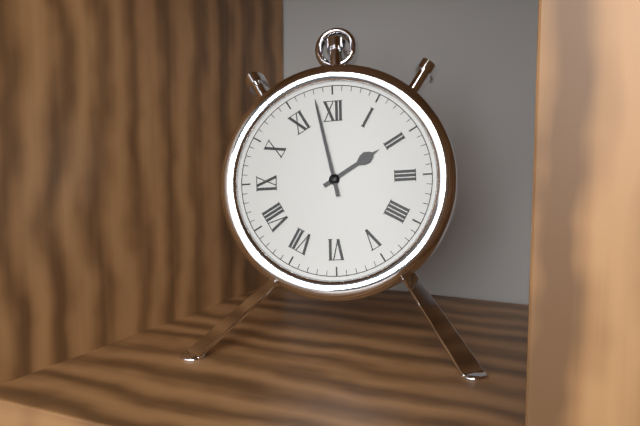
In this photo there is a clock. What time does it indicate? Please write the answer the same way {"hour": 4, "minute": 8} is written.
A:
{"hour": 1, "minute": 58}
